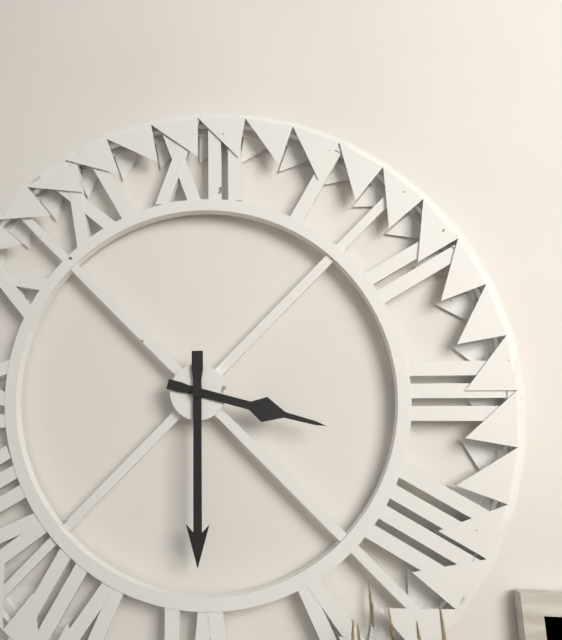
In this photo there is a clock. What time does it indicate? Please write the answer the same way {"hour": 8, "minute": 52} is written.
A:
{"hour": 3, "minute": 30}
